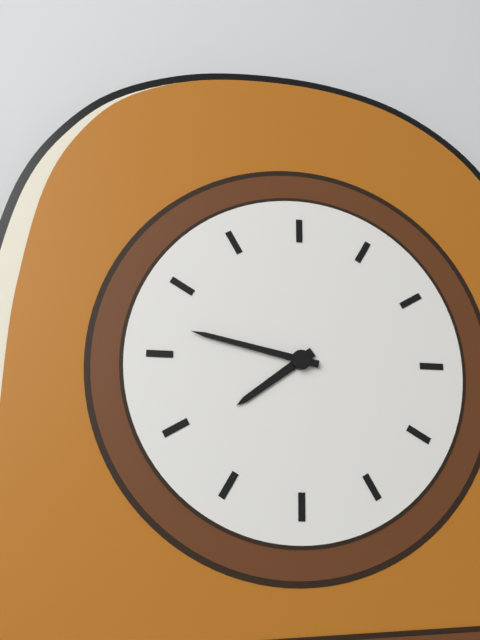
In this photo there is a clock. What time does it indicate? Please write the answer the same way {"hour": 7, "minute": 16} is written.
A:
{"hour": 7, "minute": 47}
